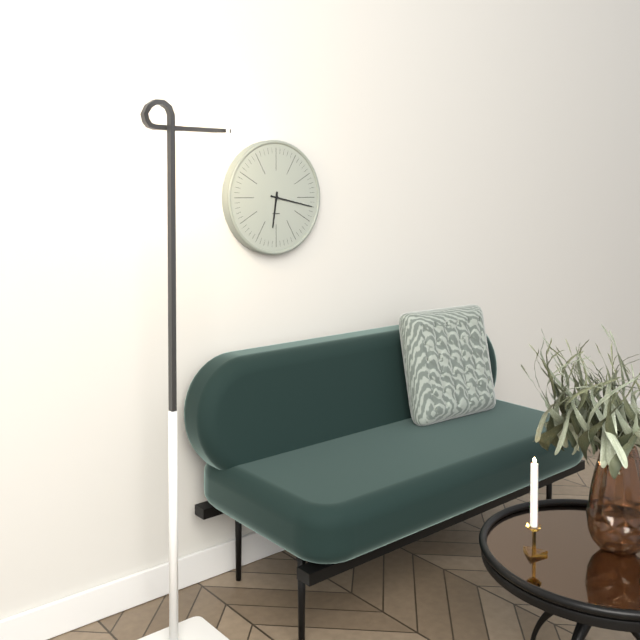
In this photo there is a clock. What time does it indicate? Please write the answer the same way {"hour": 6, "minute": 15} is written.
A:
{"hour": 6, "minute": 17}
